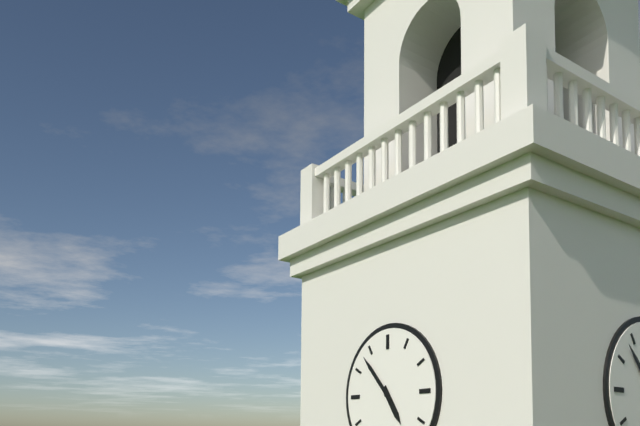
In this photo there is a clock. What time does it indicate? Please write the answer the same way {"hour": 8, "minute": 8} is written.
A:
{"hour": 4, "minute": 53}
